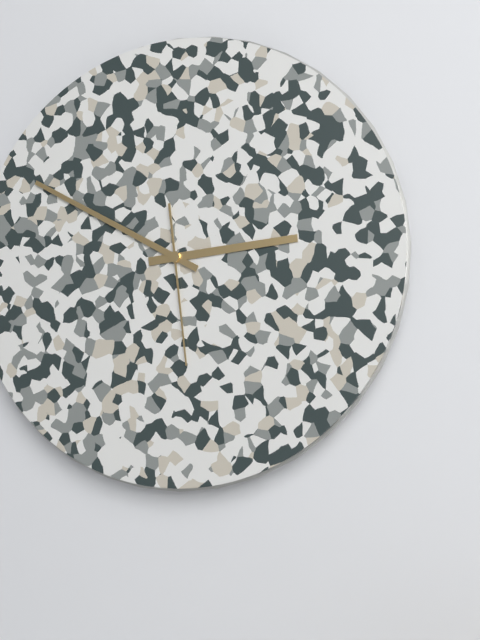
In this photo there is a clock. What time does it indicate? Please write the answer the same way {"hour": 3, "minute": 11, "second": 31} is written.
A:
{"hour": 2, "minute": 50, "second": 29}
